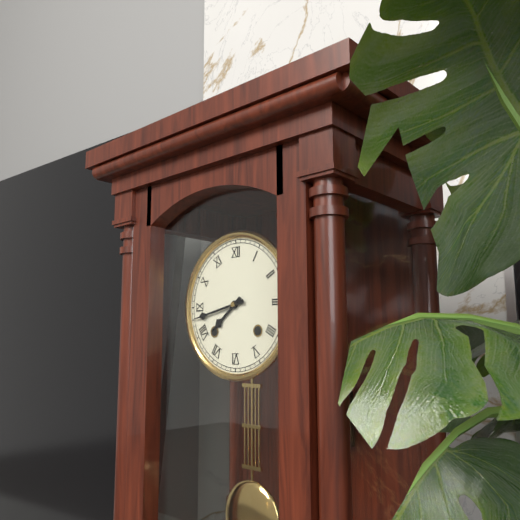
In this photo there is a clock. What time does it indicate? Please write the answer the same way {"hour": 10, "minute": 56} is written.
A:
{"hour": 7, "minute": 43}
